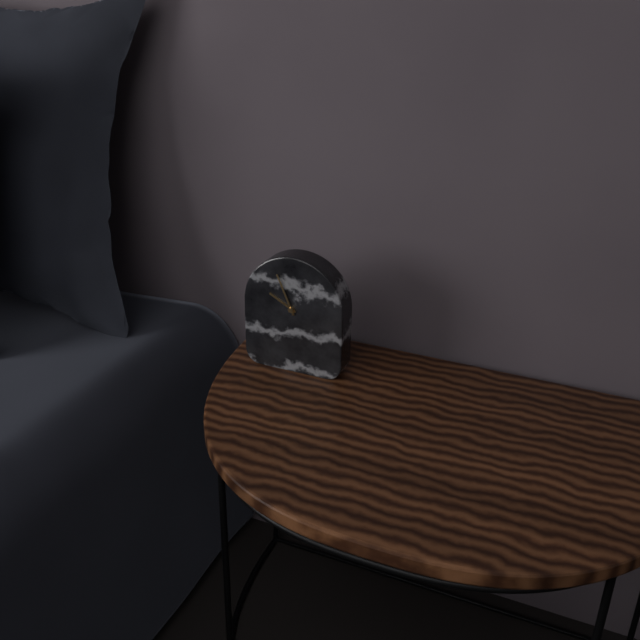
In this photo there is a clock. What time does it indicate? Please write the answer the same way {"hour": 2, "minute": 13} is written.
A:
{"hour": 9, "minute": 56}
